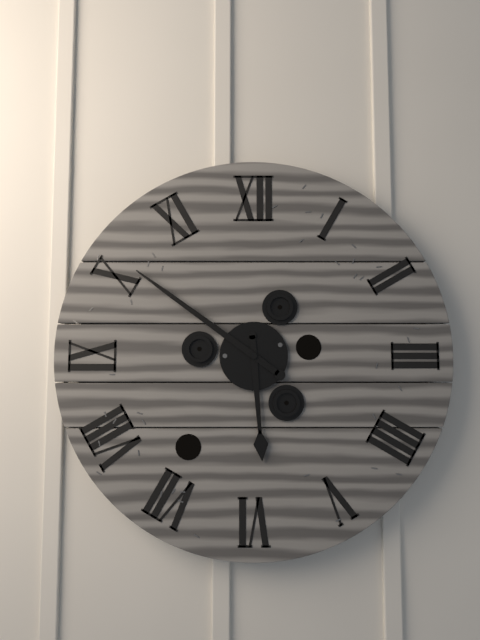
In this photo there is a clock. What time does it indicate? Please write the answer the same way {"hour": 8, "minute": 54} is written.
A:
{"hour": 5, "minute": 51}
